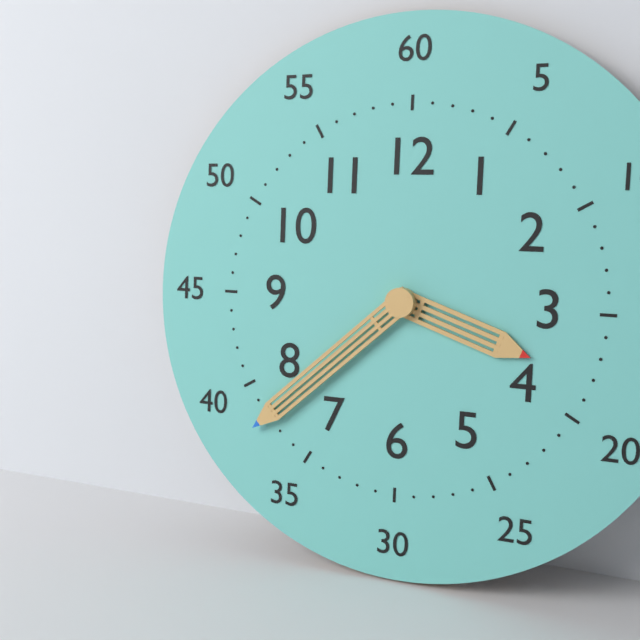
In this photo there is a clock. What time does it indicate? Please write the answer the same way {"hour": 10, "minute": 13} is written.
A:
{"hour": 3, "minute": 38}
